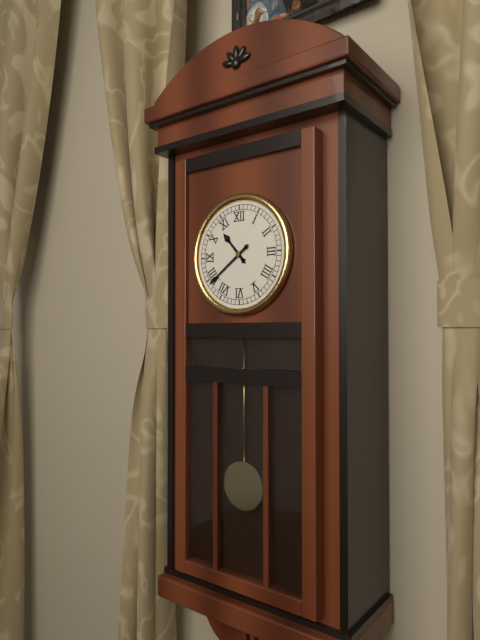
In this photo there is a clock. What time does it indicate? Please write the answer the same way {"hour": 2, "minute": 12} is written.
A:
{"hour": 10, "minute": 39}
